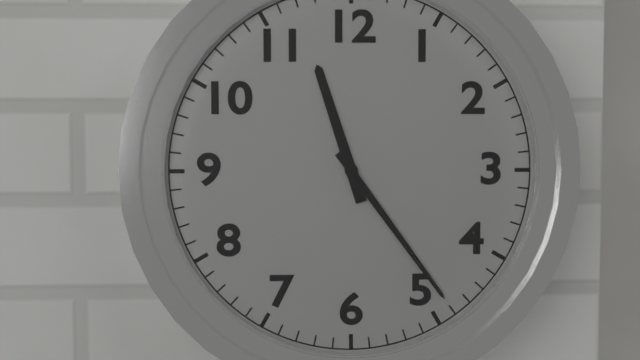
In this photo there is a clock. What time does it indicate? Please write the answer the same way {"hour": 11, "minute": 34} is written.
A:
{"hour": 11, "minute": 24}
